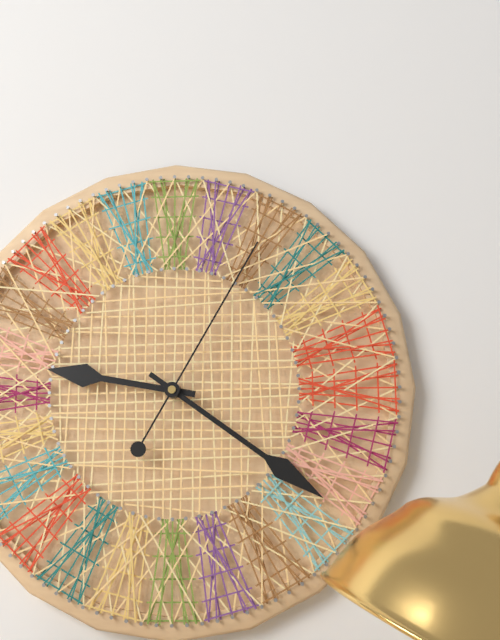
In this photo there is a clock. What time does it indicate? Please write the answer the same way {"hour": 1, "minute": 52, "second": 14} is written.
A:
{"hour": 9, "minute": 21, "second": 5}
